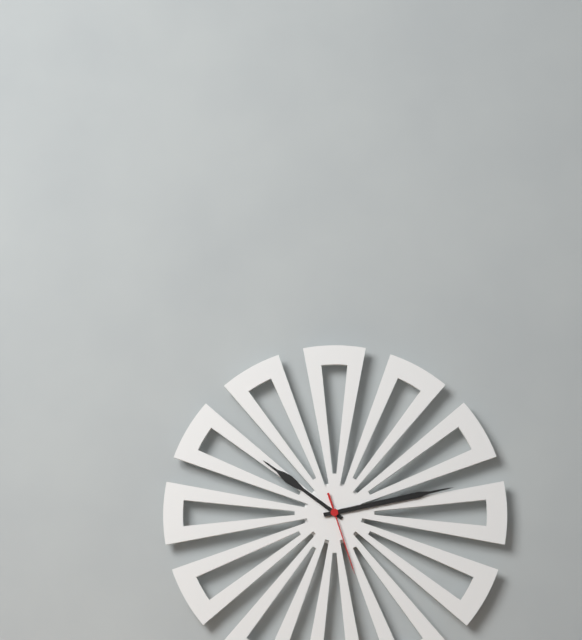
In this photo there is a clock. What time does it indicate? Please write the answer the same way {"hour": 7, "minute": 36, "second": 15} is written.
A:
{"hour": 10, "minute": 13, "second": 27}
